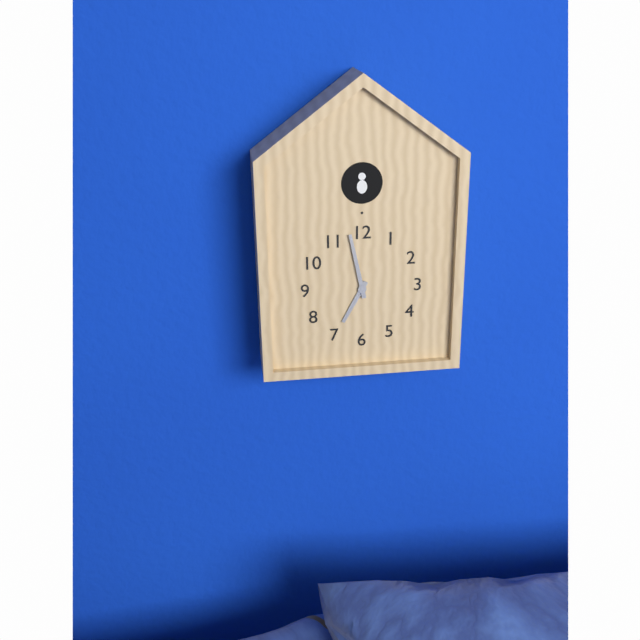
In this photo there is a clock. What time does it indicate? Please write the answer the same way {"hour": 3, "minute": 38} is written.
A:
{"hour": 6, "minute": 58}
